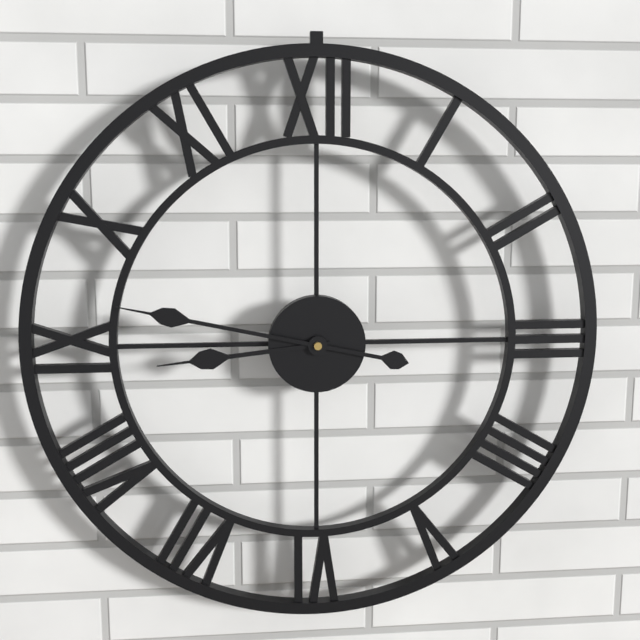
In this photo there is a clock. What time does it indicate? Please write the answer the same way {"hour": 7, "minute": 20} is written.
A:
{"hour": 8, "minute": 47}
